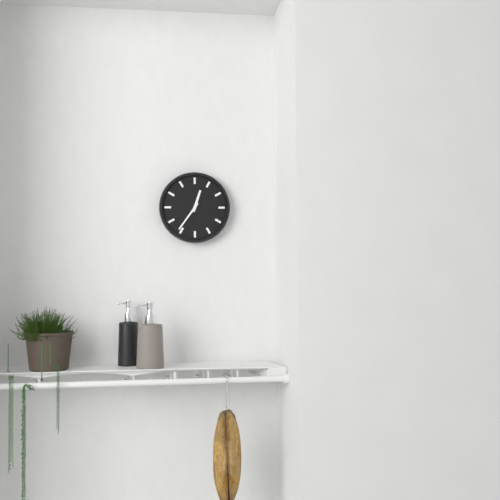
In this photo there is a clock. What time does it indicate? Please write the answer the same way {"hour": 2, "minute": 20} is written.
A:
{"hour": 12, "minute": 36}
